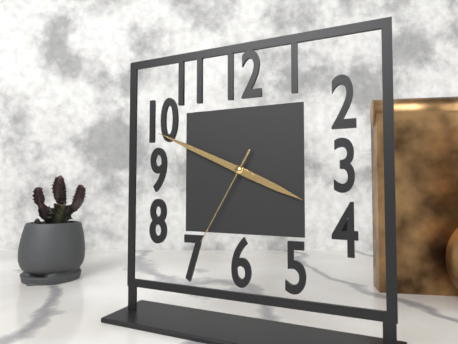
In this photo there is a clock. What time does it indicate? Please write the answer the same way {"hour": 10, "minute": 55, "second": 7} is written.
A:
{"hour": 3, "minute": 49, "second": 35}
